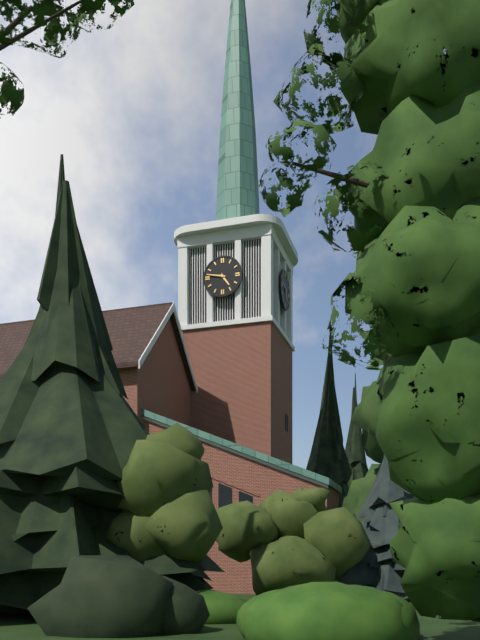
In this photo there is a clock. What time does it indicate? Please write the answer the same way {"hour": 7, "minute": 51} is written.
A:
{"hour": 4, "minute": 47}
